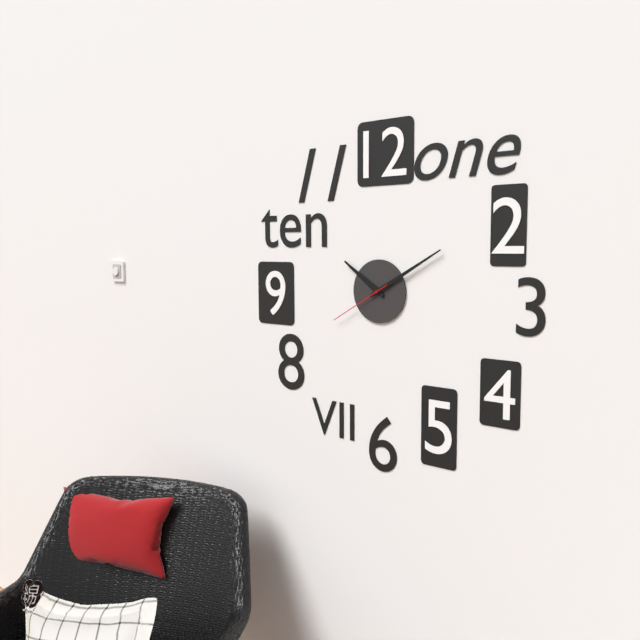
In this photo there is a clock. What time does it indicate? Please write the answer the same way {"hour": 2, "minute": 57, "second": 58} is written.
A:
{"hour": 10, "minute": 10, "second": 40}
